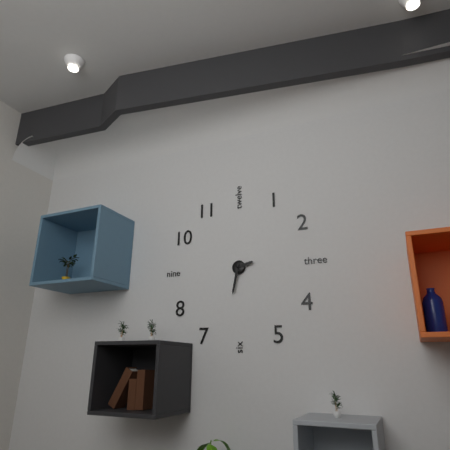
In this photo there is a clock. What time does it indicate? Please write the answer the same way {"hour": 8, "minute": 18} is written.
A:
{"hour": 2, "minute": 32}
